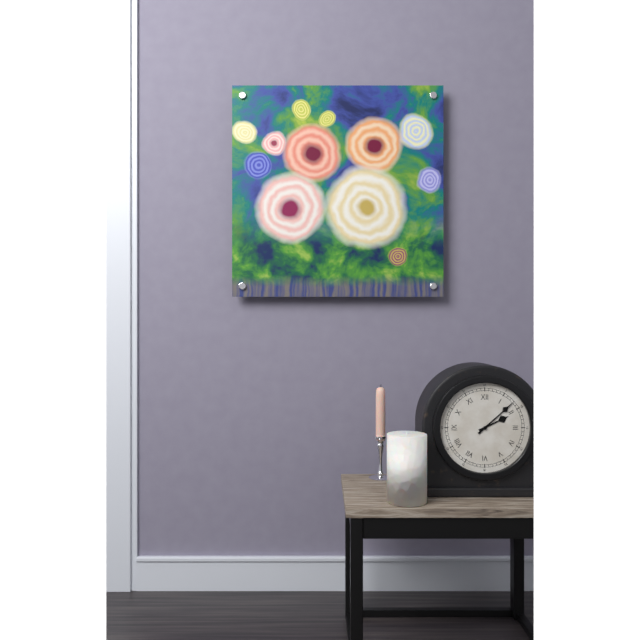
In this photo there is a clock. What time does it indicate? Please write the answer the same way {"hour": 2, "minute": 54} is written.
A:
{"hour": 2, "minute": 8}
